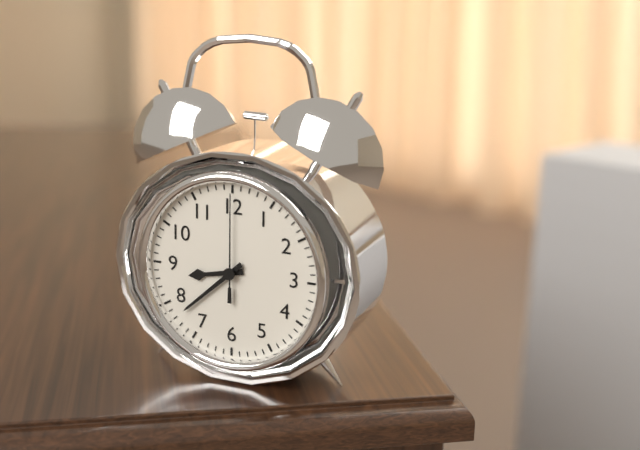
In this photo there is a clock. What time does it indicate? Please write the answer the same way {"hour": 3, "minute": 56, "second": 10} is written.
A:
{"hour": 8, "minute": 38, "second": 0}
